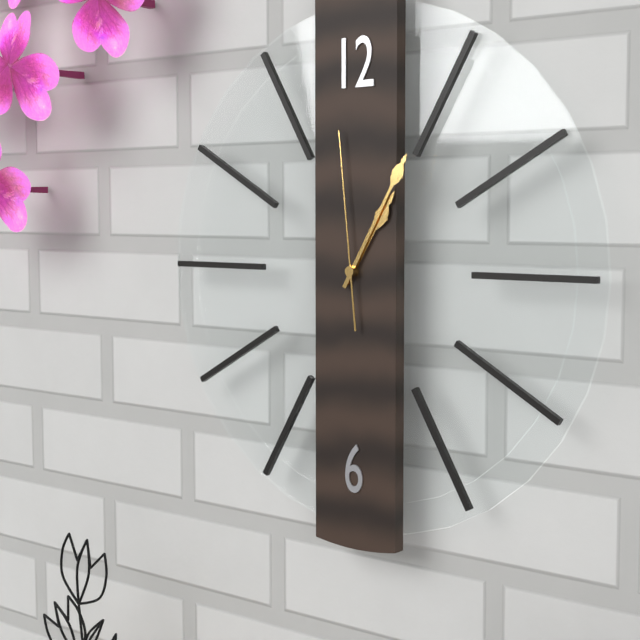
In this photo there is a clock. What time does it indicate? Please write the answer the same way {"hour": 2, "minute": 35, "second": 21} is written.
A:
{"hour": 1, "minute": 5, "second": 59}
